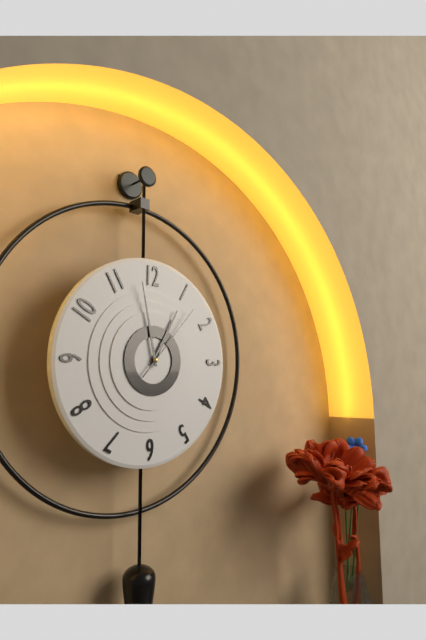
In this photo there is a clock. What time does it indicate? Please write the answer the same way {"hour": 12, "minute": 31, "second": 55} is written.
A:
{"hour": 12, "minute": 58, "second": 7}
